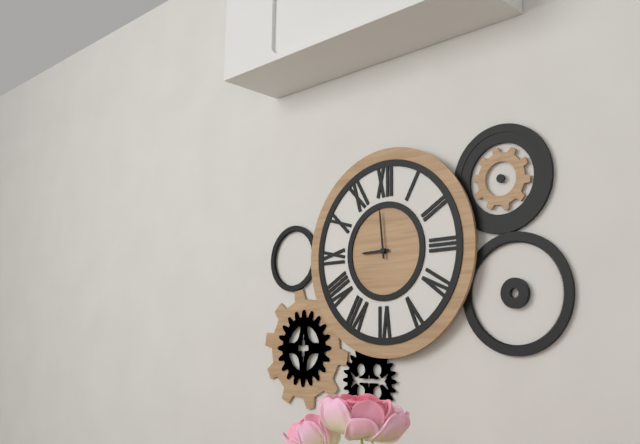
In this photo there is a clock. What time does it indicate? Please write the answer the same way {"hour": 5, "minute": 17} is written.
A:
{"hour": 8, "minute": 59}
